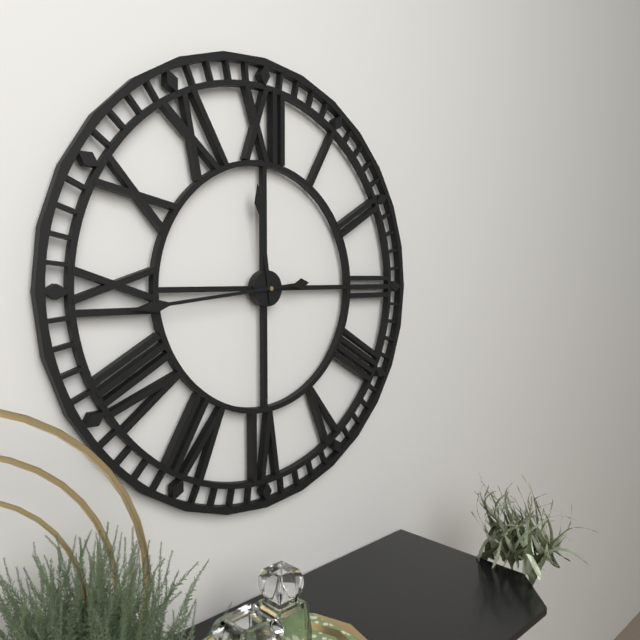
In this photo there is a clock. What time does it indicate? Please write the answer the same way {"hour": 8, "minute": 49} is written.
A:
{"hour": 11, "minute": 44}
